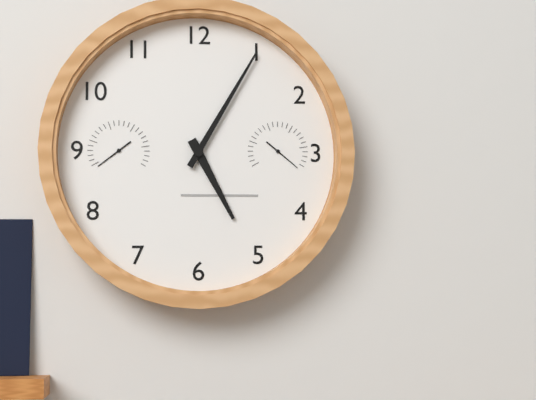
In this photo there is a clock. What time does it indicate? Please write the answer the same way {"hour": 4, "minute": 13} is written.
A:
{"hour": 5, "minute": 5}
